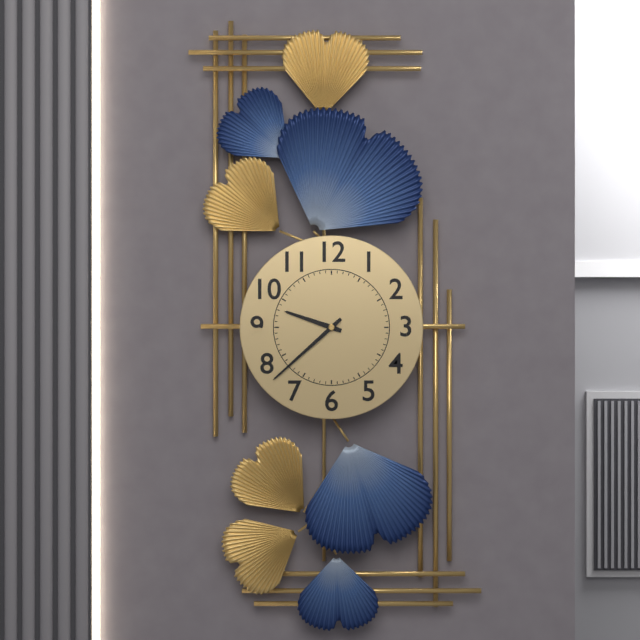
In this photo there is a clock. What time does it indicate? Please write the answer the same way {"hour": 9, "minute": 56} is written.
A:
{"hour": 9, "minute": 38}
